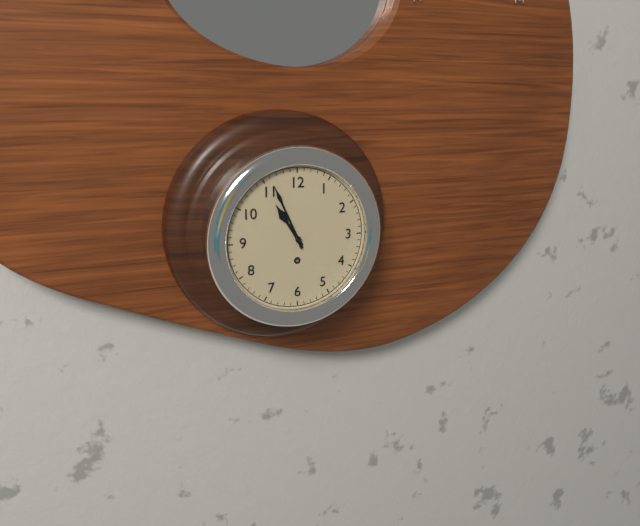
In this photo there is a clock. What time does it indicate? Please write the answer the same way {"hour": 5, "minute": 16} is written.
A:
{"hour": 10, "minute": 56}
